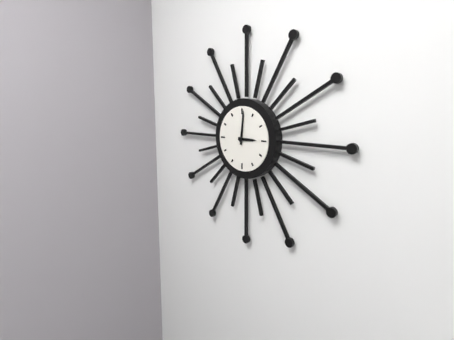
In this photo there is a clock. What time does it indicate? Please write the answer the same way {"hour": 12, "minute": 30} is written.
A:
{"hour": 3, "minute": 1}
